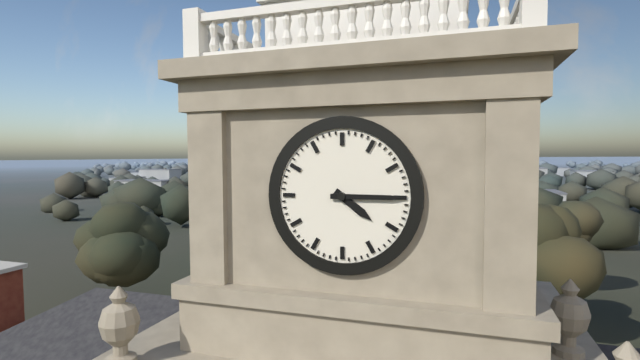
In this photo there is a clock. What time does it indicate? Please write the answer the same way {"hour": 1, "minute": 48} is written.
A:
{"hour": 4, "minute": 15}
